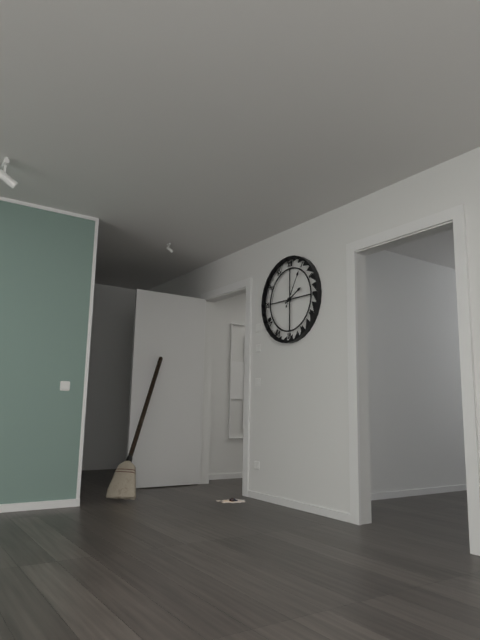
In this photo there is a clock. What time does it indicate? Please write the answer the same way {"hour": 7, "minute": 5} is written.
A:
{"hour": 2, "minute": 5}
